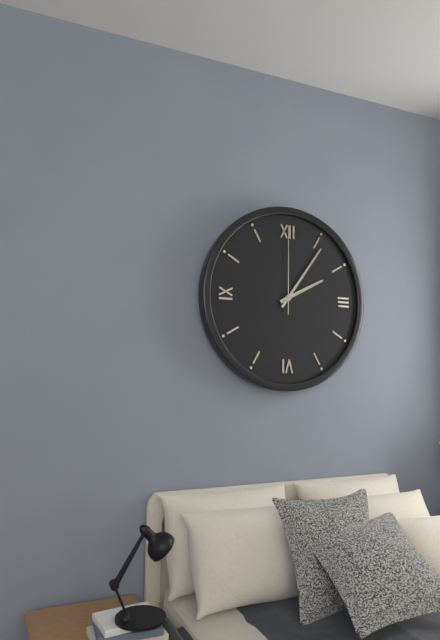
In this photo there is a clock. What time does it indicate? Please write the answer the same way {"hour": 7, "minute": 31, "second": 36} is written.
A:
{"hour": 2, "minute": 6, "second": 0}
